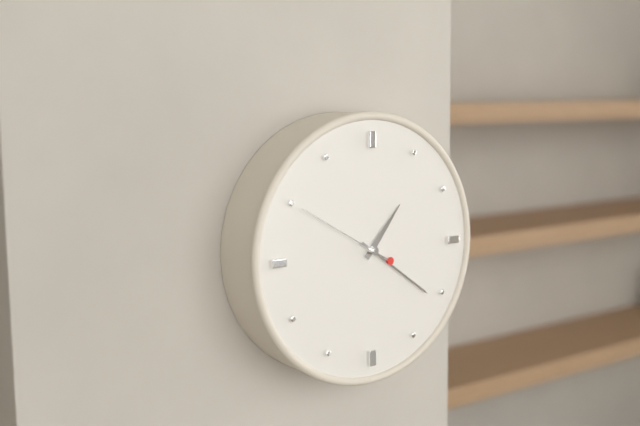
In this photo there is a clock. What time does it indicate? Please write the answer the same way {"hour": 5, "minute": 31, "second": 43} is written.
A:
{"hour": 1, "minute": 21, "second": 50}
